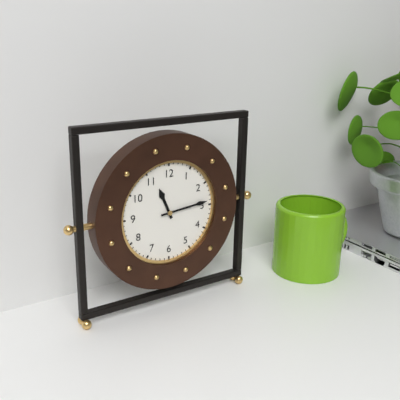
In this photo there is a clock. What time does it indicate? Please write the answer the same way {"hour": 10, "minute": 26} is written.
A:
{"hour": 11, "minute": 14}
